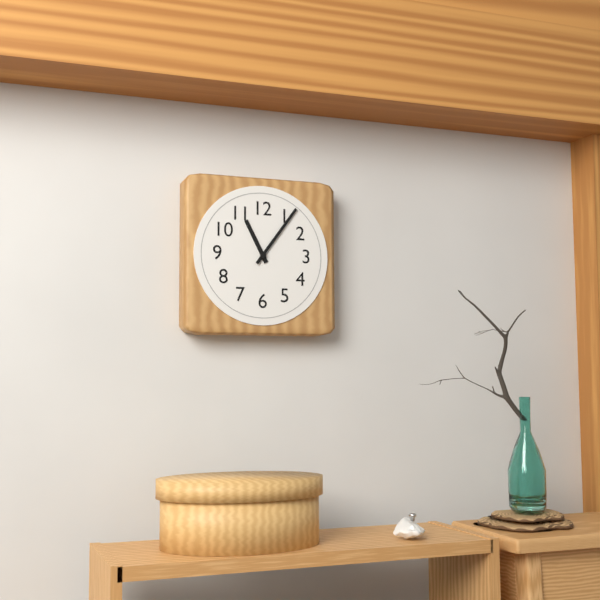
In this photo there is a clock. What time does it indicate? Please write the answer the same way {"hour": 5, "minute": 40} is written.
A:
{"hour": 11, "minute": 6}
